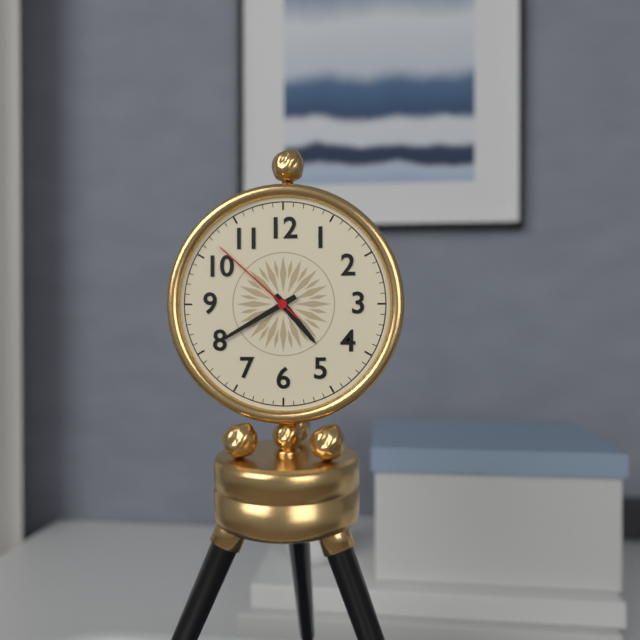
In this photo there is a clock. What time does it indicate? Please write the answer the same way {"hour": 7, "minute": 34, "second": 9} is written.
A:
{"hour": 4, "minute": 40, "second": 52}
